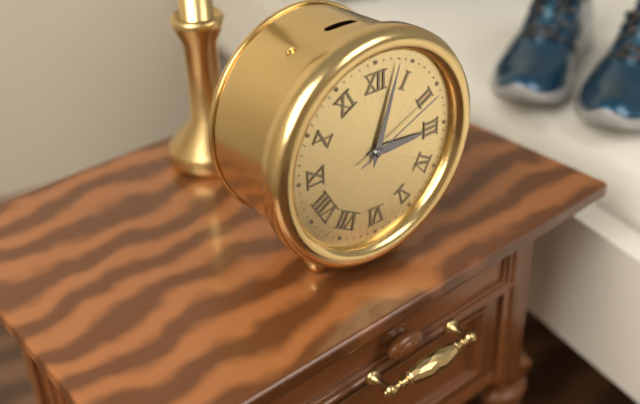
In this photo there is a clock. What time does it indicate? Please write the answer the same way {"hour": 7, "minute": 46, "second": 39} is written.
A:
{"hour": 3, "minute": 3, "second": 11}
